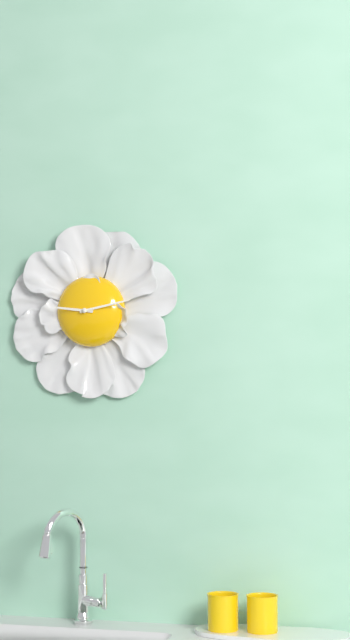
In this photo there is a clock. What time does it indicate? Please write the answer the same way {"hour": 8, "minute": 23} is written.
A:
{"hour": 9, "minute": 13}
